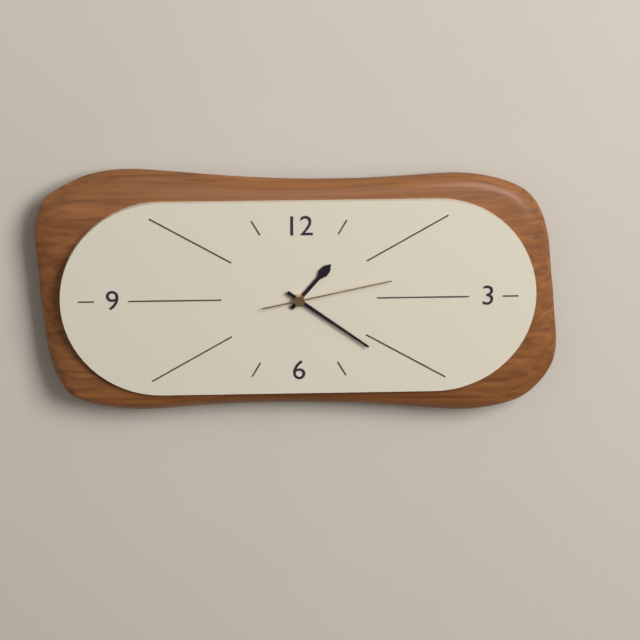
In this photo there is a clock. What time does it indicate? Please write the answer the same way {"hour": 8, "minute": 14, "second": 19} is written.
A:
{"hour": 1, "minute": 21, "second": 13}
